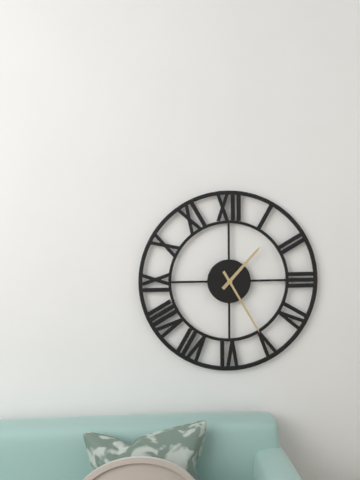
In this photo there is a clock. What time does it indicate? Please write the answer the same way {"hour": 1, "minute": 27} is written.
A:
{"hour": 1, "minute": 25}
